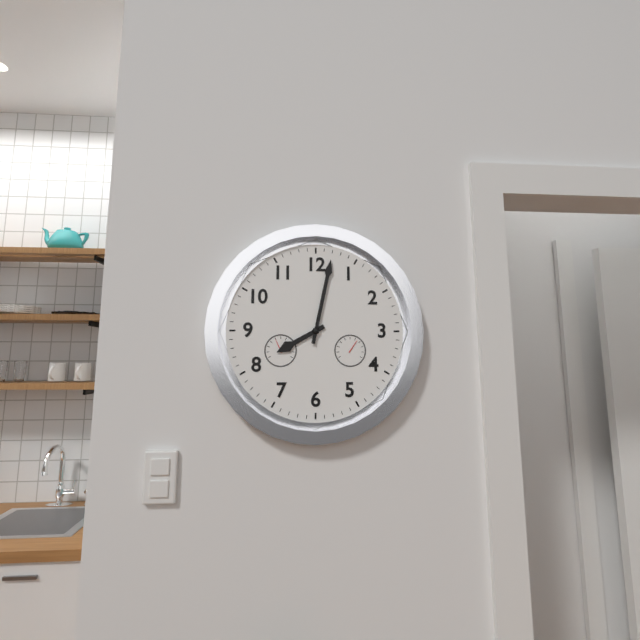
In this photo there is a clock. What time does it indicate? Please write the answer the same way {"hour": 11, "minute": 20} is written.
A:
{"hour": 8, "minute": 2}
